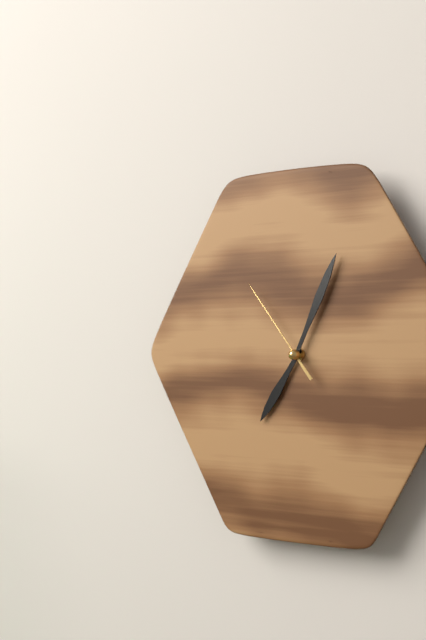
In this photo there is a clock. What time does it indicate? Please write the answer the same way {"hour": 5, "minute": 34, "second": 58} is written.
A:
{"hour": 7, "minute": 4, "second": 54}
